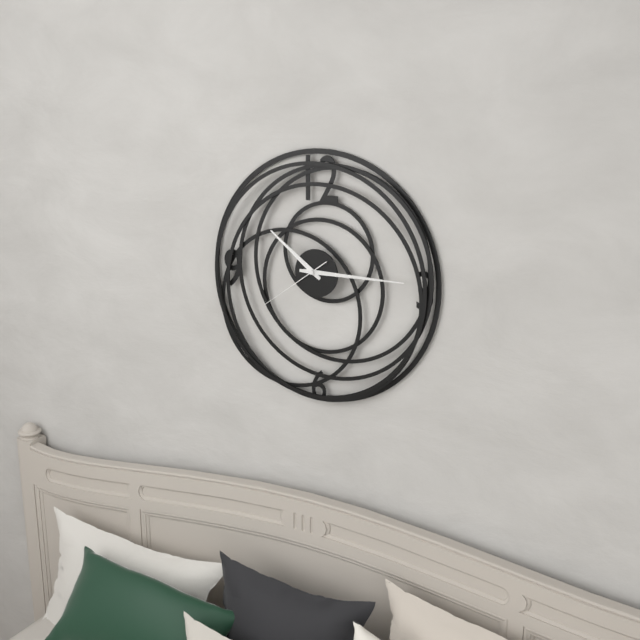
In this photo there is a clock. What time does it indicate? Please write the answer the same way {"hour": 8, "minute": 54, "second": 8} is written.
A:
{"hour": 10, "minute": 15, "second": 39}
